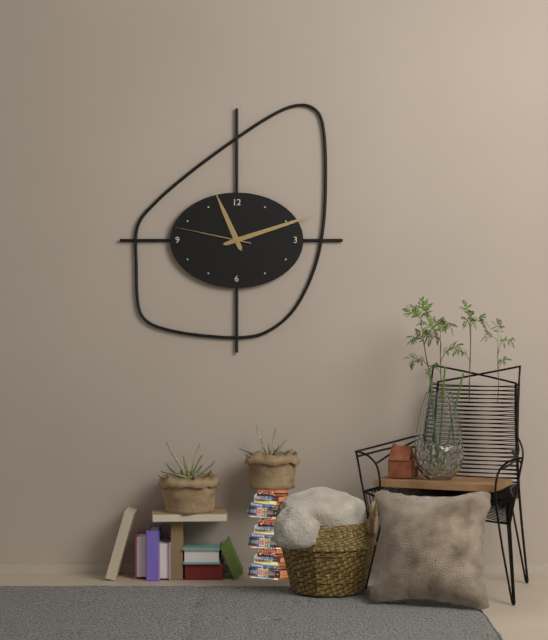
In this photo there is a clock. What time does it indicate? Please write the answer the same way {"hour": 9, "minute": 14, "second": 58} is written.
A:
{"hour": 11, "minute": 12, "second": 47}
